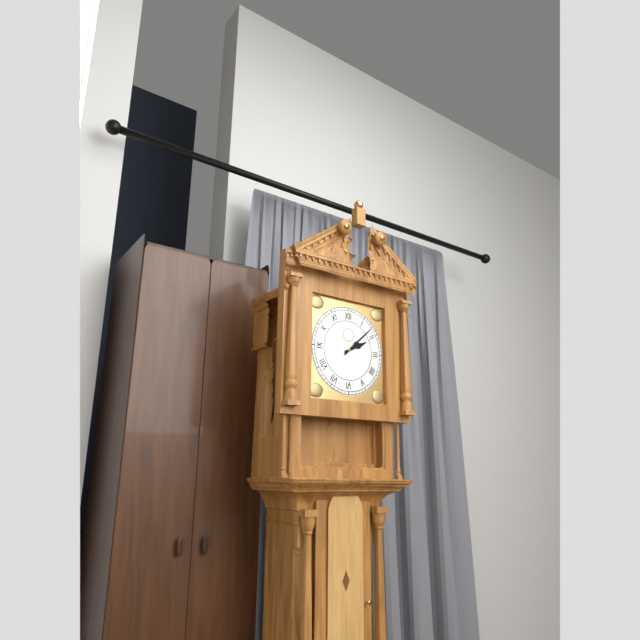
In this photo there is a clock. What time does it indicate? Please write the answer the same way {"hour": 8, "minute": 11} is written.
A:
{"hour": 2, "minute": 8}
